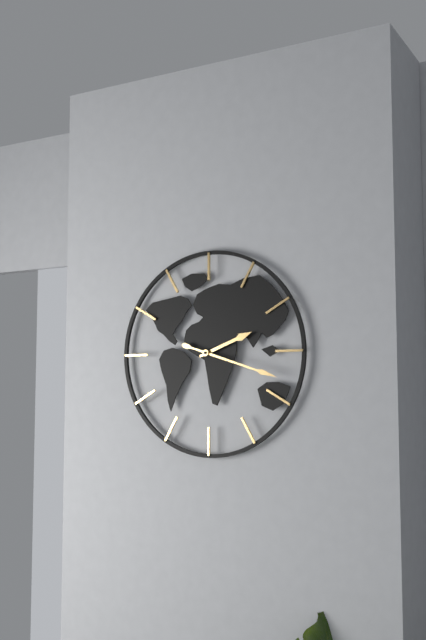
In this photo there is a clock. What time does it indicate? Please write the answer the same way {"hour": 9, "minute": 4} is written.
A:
{"hour": 2, "minute": 18}
